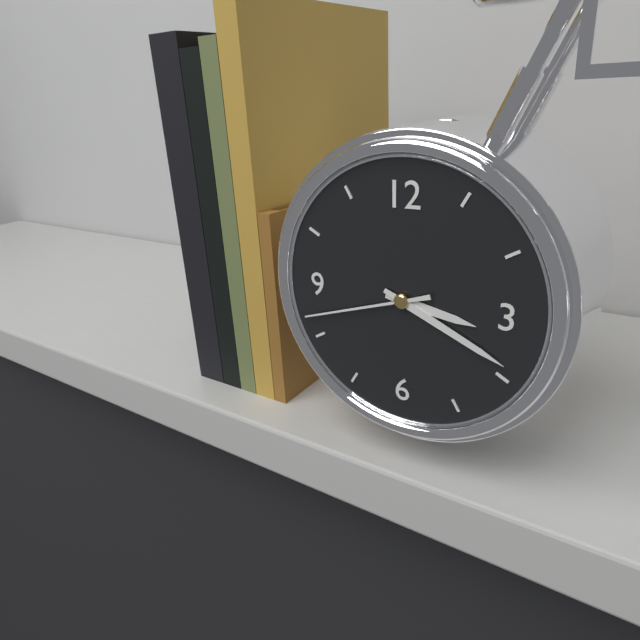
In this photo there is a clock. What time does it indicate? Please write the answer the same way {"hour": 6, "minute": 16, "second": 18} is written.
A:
{"hour": 3, "minute": 19, "second": 42}
